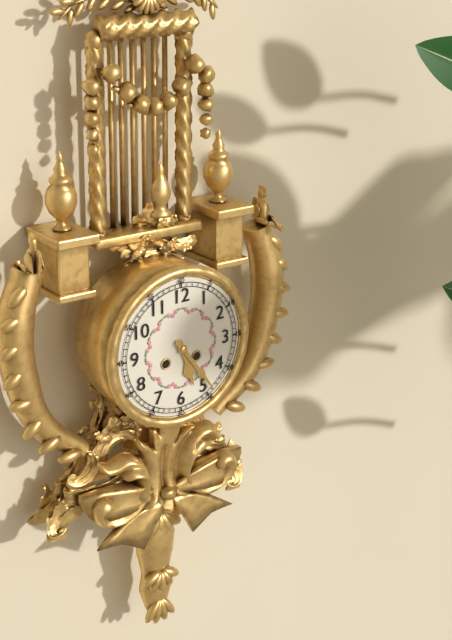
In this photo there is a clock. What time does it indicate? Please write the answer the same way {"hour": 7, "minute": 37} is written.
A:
{"hour": 5, "minute": 24}
